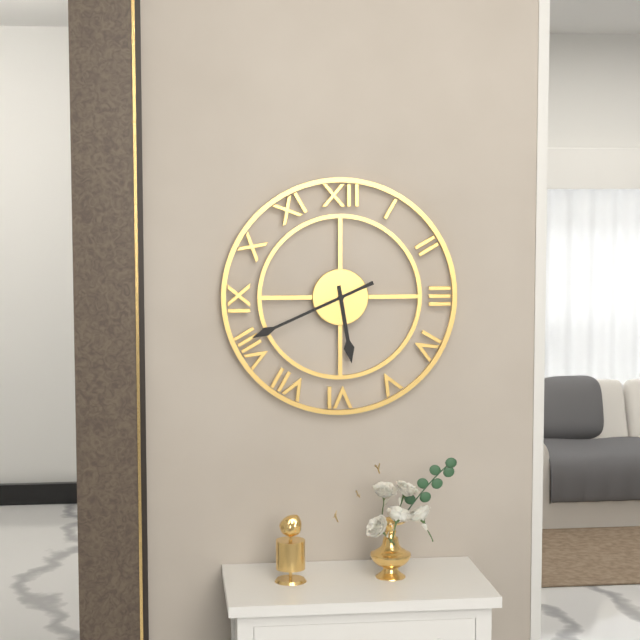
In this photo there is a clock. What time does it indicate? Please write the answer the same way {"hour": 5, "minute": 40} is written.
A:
{"hour": 5, "minute": 41}
